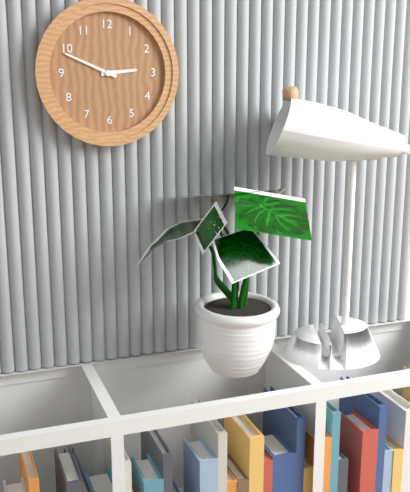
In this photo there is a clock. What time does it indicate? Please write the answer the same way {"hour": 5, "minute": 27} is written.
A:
{"hour": 2, "minute": 49}
